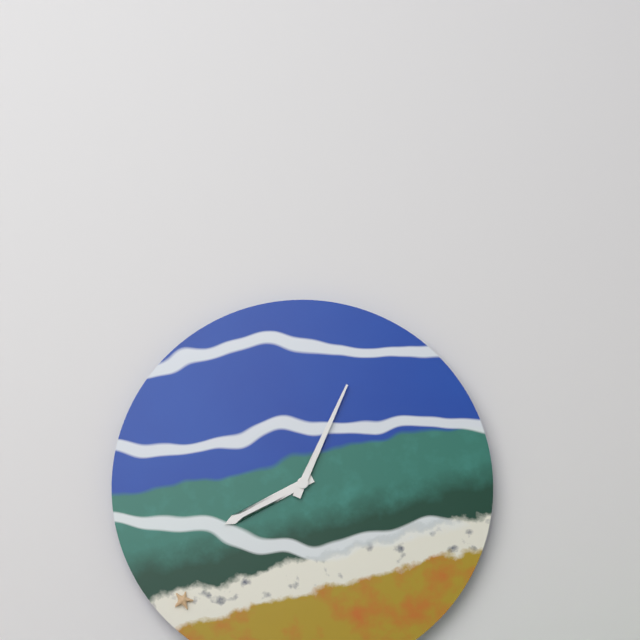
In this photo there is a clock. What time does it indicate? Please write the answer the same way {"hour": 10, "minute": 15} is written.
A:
{"hour": 8, "minute": 4}
